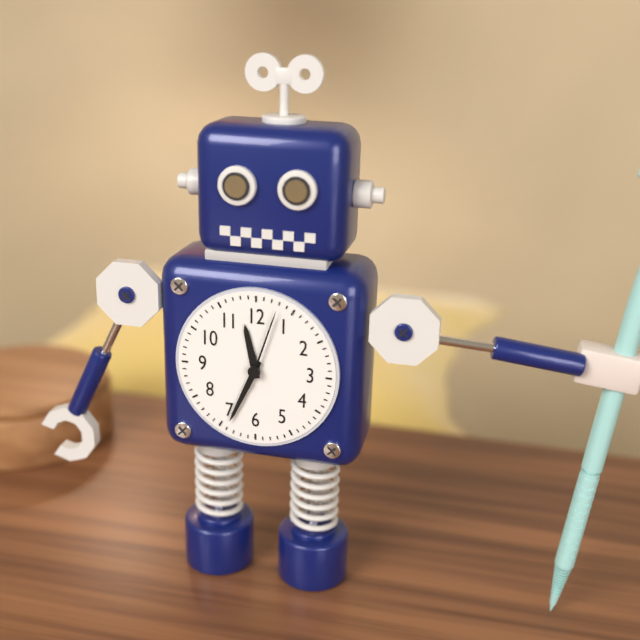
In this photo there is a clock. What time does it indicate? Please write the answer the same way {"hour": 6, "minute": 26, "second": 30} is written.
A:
{"hour": 11, "minute": 34, "second": 3}
